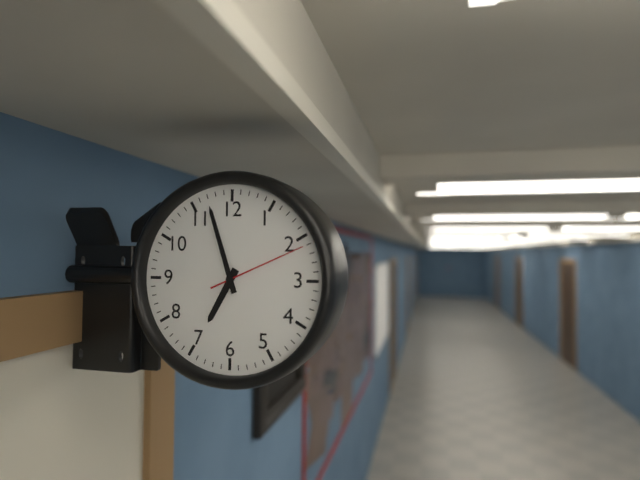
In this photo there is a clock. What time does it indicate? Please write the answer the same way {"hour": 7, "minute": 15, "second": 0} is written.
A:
{"hour": 6, "minute": 57, "second": 11}
